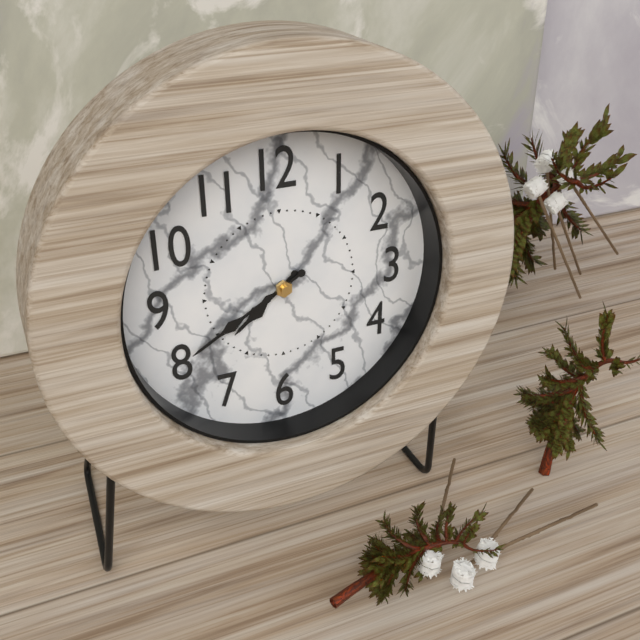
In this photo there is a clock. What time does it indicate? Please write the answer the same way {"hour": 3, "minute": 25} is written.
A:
{"hour": 7, "minute": 40}
